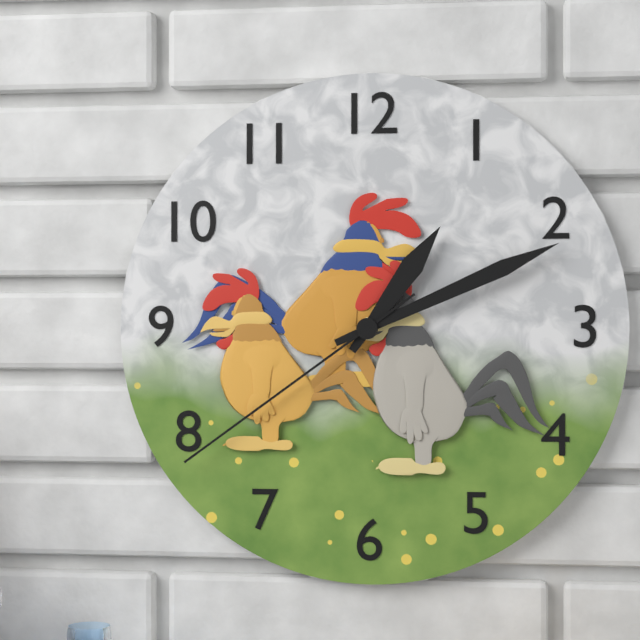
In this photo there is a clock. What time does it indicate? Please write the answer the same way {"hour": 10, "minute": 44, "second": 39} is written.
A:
{"hour": 1, "minute": 11, "second": 39}
